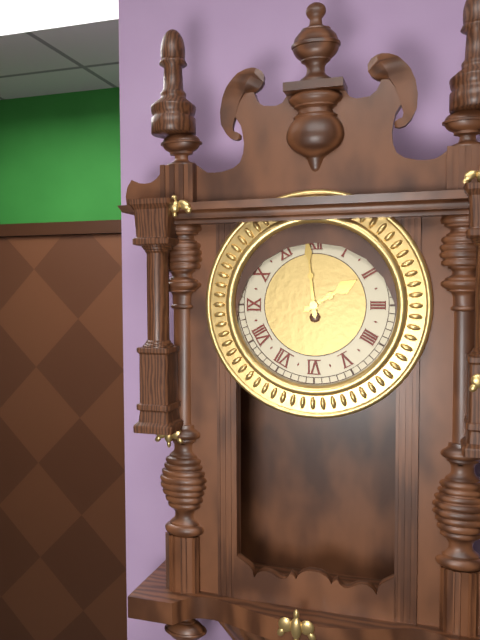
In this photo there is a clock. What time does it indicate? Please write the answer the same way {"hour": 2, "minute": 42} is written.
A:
{"hour": 1, "minute": 59}
